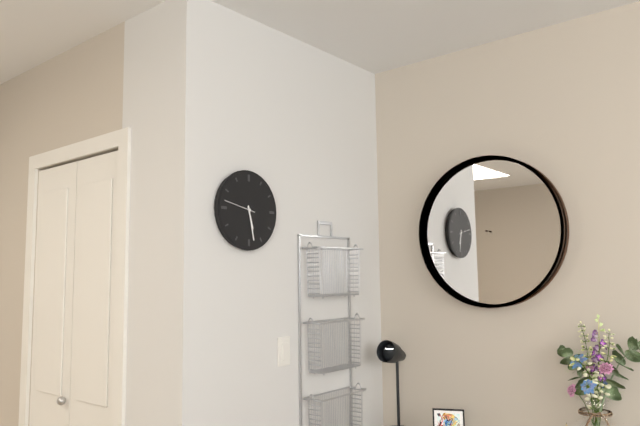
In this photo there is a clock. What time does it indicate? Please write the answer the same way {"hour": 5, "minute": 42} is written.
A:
{"hour": 5, "minute": 28}
